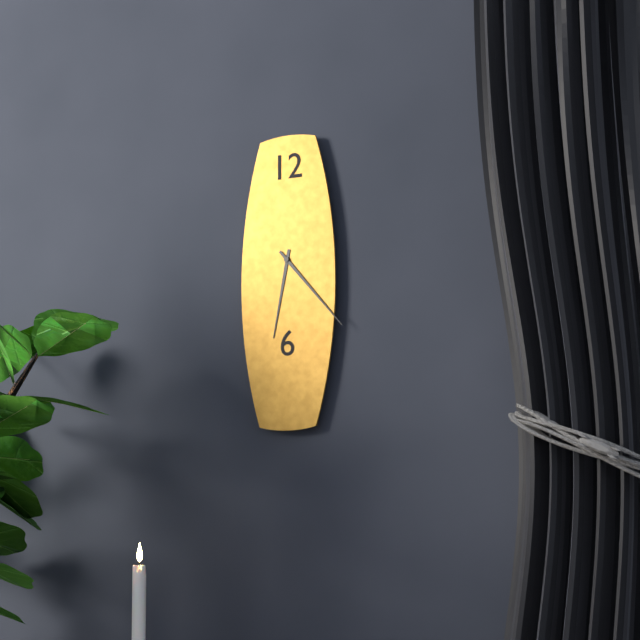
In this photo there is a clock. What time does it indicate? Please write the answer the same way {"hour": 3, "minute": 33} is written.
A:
{"hour": 6, "minute": 23}
